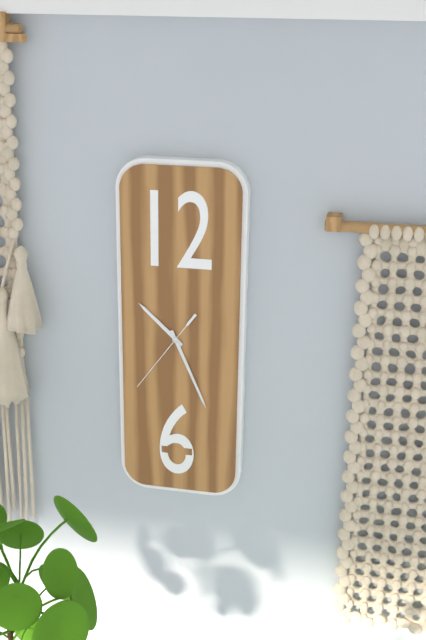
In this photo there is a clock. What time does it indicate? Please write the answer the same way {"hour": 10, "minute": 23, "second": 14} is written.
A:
{"hour": 10, "minute": 26, "second": 36}
